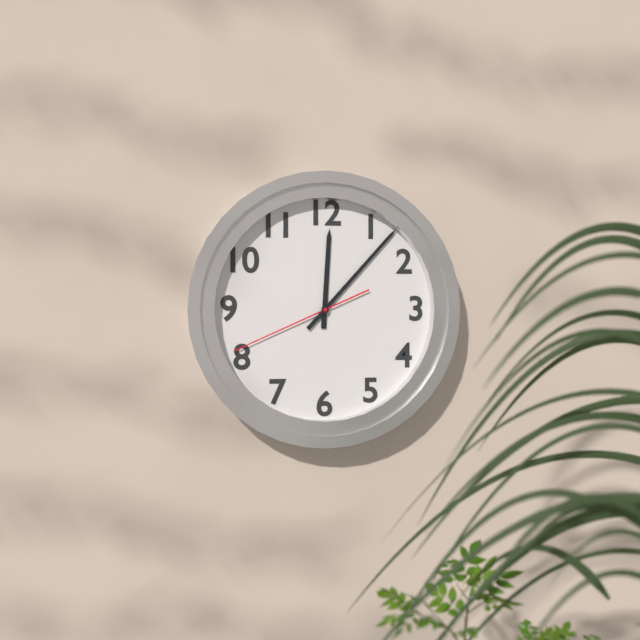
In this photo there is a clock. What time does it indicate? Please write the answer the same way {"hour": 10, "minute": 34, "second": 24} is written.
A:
{"hour": 12, "minute": 7, "second": 41}
